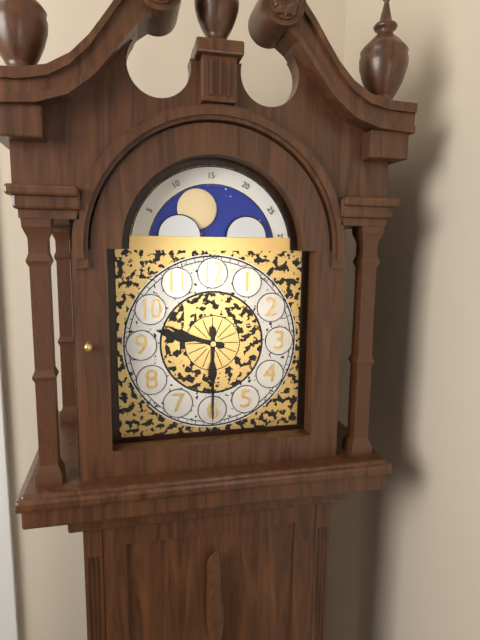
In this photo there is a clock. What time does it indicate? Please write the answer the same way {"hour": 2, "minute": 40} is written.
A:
{"hour": 9, "minute": 30}
